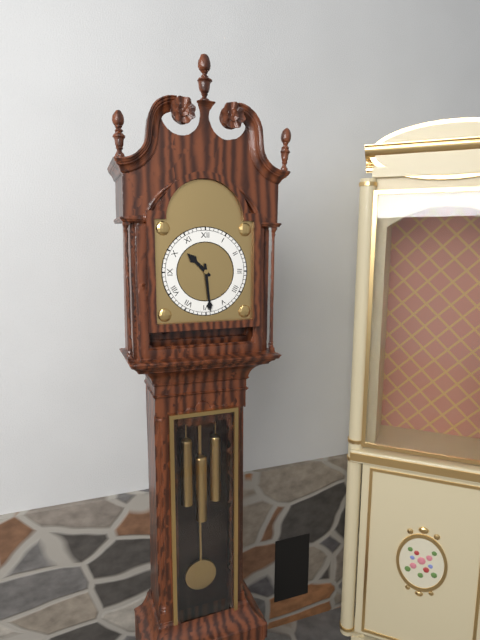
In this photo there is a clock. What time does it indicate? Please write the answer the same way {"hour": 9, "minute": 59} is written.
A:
{"hour": 10, "minute": 29}
